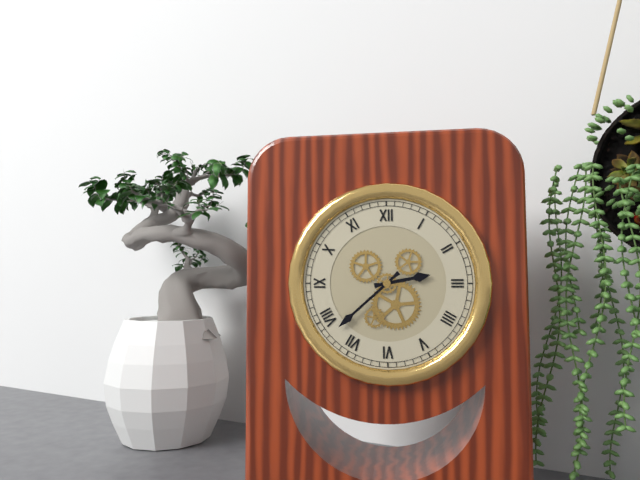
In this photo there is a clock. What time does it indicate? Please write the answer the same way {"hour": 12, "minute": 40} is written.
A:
{"hour": 2, "minute": 38}
